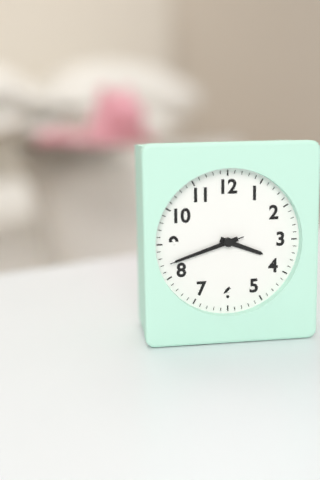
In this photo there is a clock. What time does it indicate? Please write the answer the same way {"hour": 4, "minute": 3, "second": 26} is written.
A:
{"hour": 3, "minute": 42, "second": 42}
